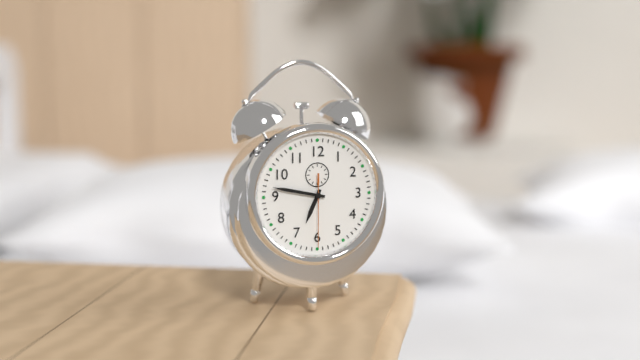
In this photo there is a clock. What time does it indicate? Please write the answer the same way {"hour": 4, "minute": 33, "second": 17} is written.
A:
{"hour": 6, "minute": 47, "second": 30}
